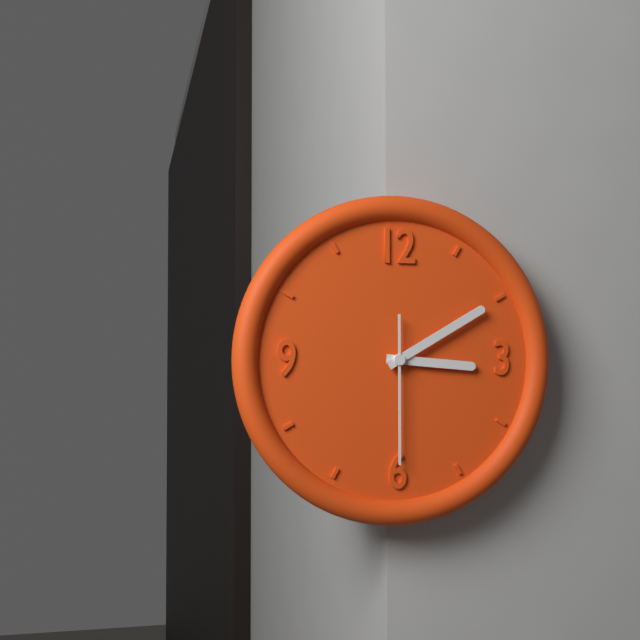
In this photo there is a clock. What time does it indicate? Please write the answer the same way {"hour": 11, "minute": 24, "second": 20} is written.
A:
{"hour": 3, "minute": 10, "second": 30}
